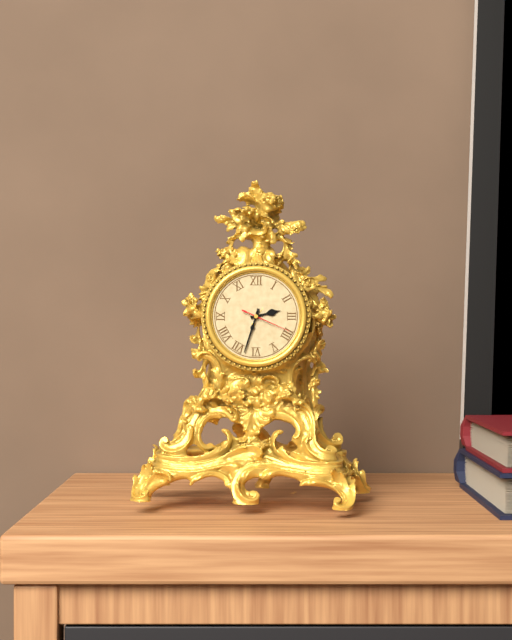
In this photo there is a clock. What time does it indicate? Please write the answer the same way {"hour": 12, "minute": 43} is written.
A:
{"hour": 2, "minute": 33}
